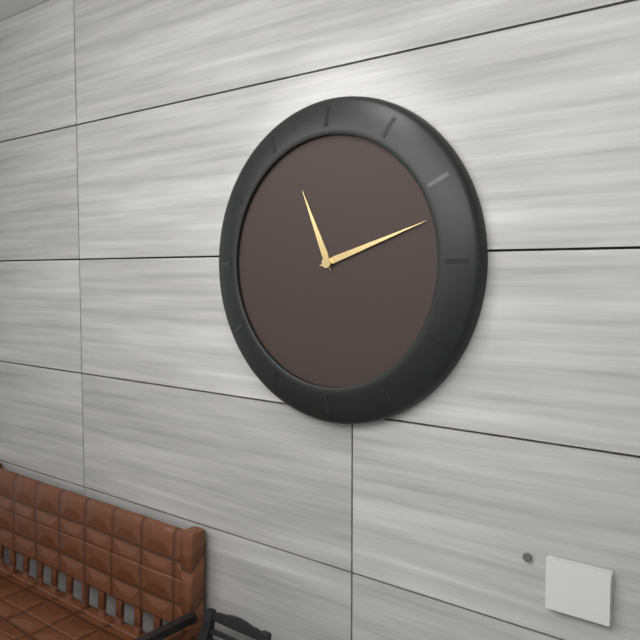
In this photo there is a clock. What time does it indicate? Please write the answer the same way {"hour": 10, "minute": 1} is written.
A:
{"hour": 11, "minute": 12}
